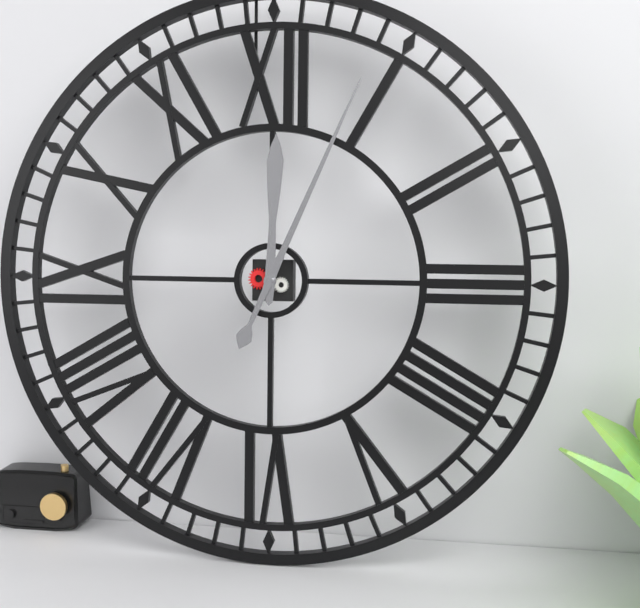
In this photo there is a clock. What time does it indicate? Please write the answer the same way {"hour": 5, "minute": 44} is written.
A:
{"hour": 12, "minute": 4}
